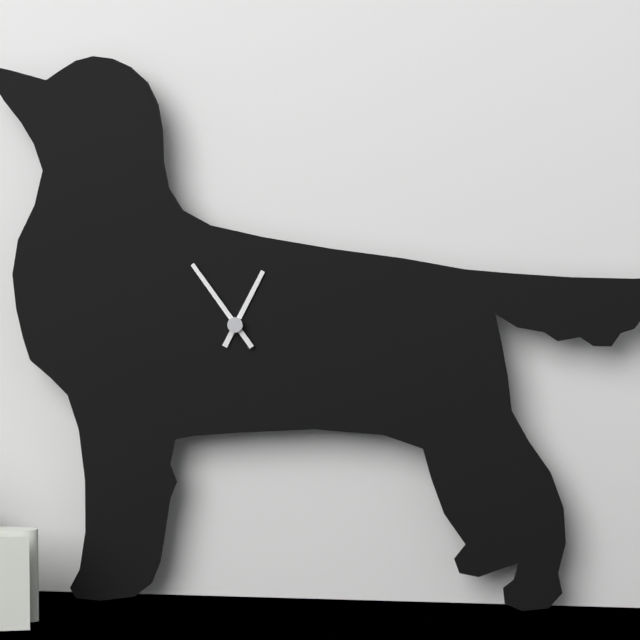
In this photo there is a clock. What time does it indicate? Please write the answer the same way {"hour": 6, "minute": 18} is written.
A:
{"hour": 12, "minute": 54}
